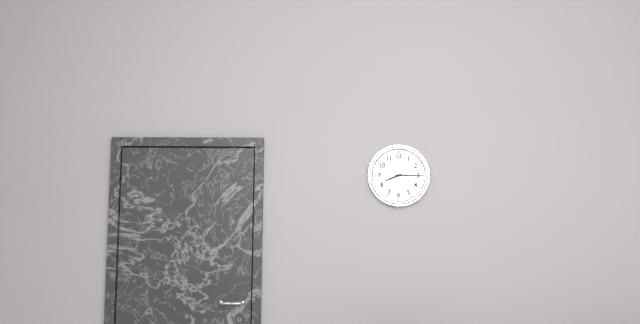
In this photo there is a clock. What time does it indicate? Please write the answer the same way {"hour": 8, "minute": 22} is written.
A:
{"hour": 8, "minute": 15}
